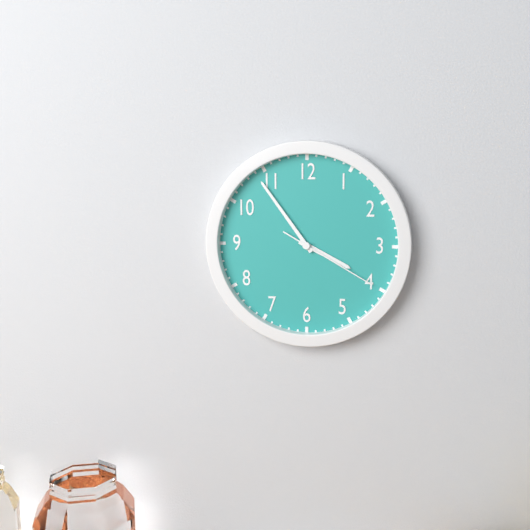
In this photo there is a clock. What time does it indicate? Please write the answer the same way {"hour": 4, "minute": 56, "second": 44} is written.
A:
{"hour": 3, "minute": 54, "second": 20}
